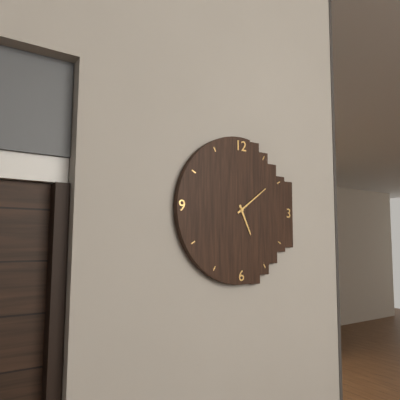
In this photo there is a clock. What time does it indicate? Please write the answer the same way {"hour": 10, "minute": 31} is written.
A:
{"hour": 5, "minute": 9}
